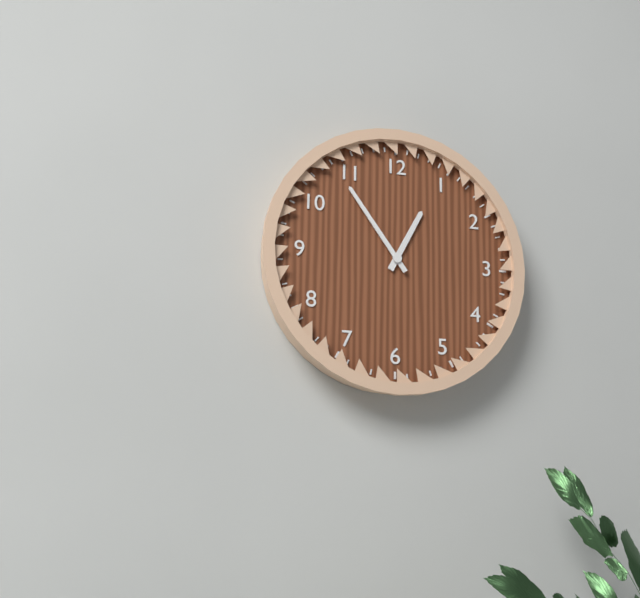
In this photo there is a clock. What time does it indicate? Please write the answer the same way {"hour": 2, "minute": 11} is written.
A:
{"hour": 12, "minute": 54}
